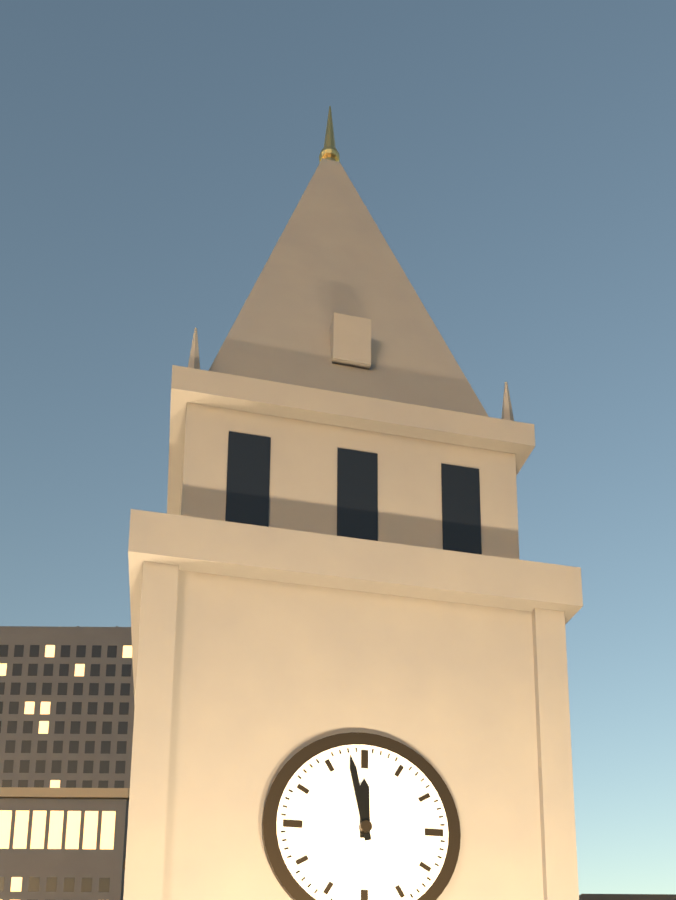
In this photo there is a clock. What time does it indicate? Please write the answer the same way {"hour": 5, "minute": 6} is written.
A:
{"hour": 11, "minute": 58}
